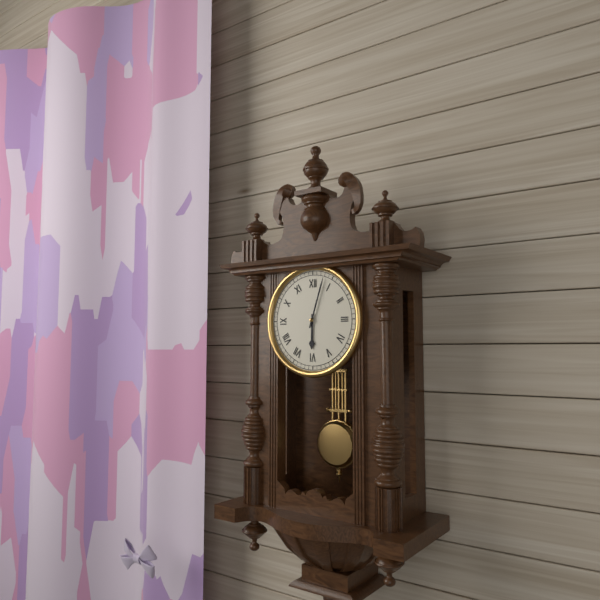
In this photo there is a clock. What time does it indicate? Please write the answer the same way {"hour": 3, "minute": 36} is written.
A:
{"hour": 6, "minute": 3}
